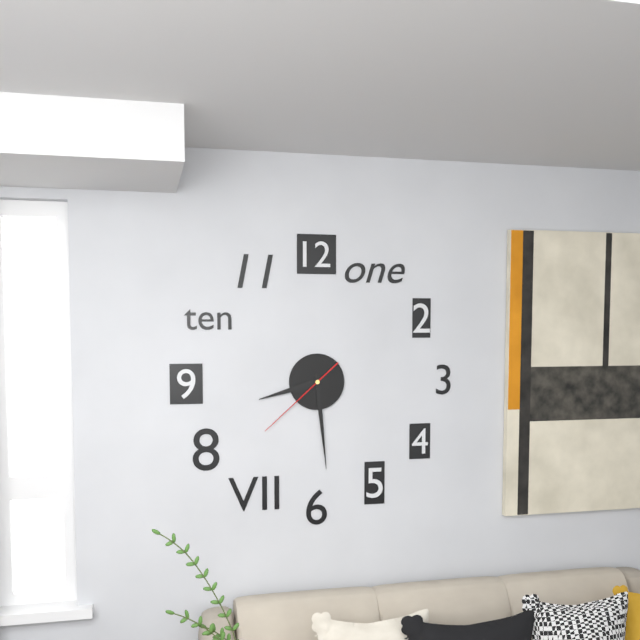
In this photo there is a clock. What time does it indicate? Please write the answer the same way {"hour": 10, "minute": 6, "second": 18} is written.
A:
{"hour": 8, "minute": 29, "second": 38}
